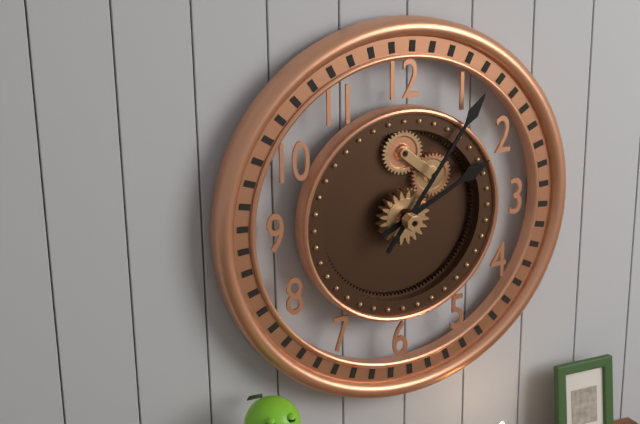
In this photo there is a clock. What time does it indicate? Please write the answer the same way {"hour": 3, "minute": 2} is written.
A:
{"hour": 2, "minute": 6}
